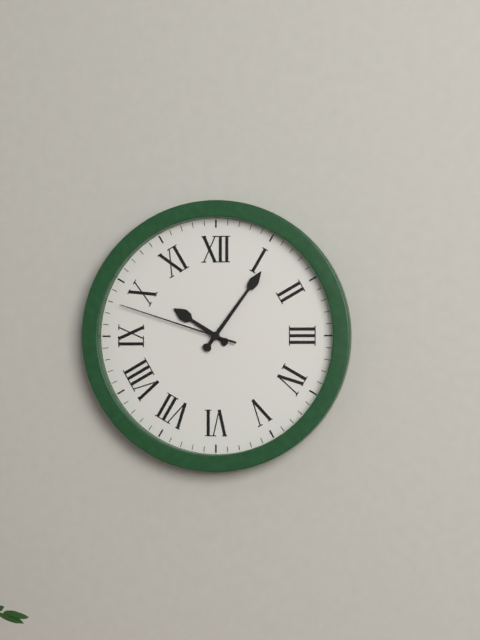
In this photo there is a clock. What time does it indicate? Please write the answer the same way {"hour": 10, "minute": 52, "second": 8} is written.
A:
{"hour": 10, "minute": 6, "second": 48}
